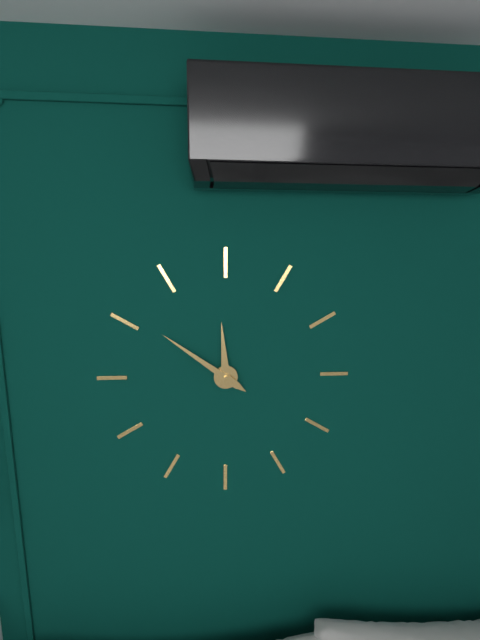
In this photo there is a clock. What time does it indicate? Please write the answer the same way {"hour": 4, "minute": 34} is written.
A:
{"hour": 11, "minute": 51}
